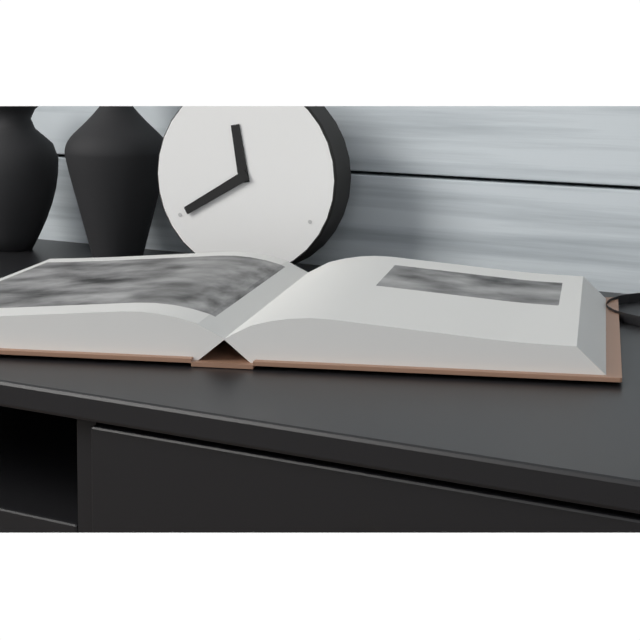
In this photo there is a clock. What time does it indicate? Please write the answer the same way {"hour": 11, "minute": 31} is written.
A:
{"hour": 11, "minute": 40}
